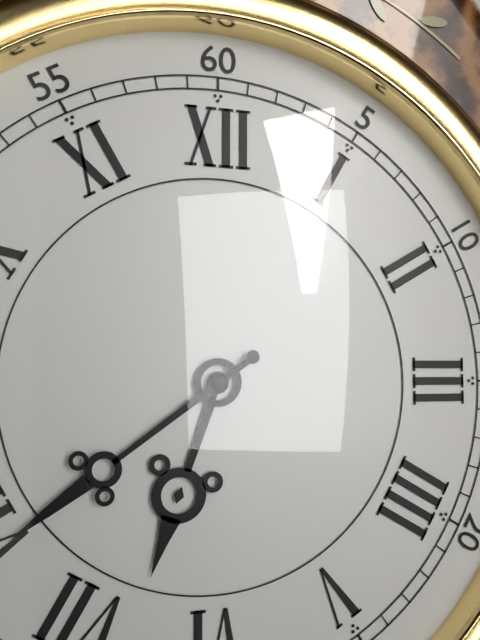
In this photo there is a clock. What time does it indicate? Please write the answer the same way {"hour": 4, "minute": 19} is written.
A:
{"hour": 6, "minute": 39}
